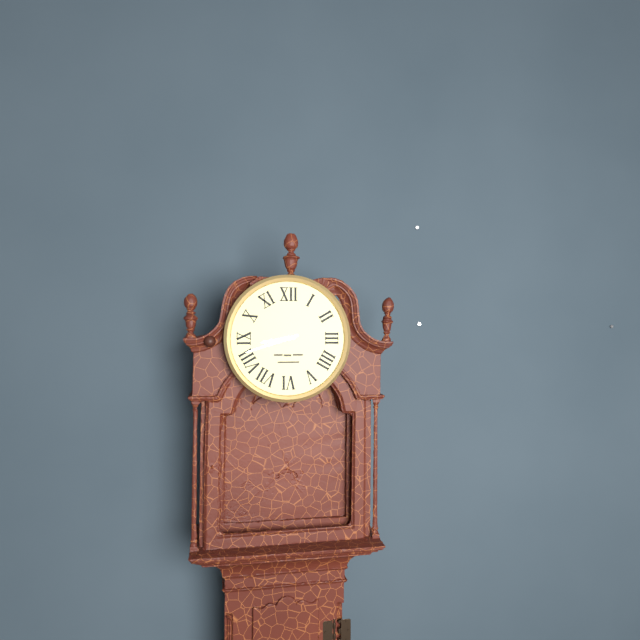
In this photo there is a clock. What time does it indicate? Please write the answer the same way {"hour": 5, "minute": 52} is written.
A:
{"hour": 8, "minute": 42}
